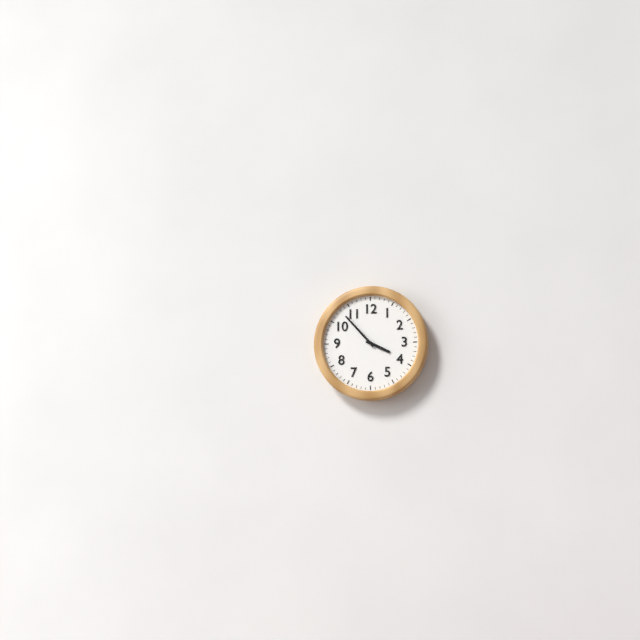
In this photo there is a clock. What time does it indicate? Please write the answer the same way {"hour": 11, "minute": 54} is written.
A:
{"hour": 3, "minute": 53}
